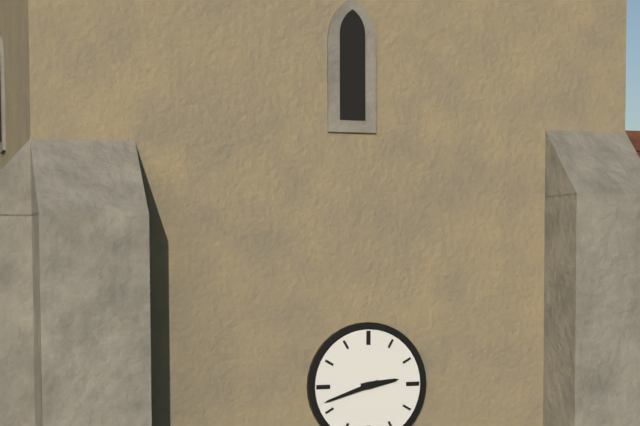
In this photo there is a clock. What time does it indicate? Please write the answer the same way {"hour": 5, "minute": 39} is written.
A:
{"hour": 2, "minute": 42}
